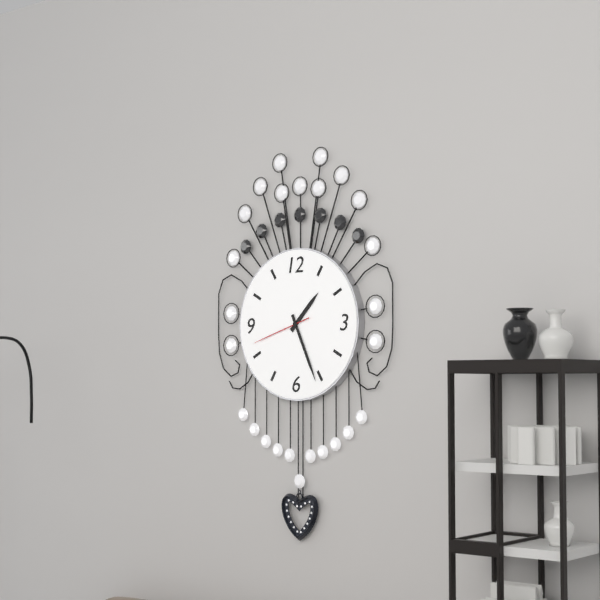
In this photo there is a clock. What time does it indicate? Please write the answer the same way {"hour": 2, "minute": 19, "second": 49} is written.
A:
{"hour": 1, "minute": 26, "second": 42}
